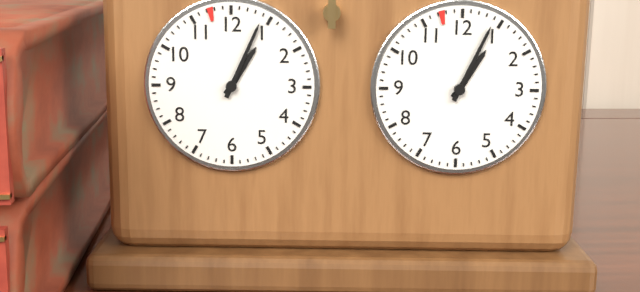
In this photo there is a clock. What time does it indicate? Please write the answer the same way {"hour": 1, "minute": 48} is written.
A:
{"hour": 1, "minute": 4}
